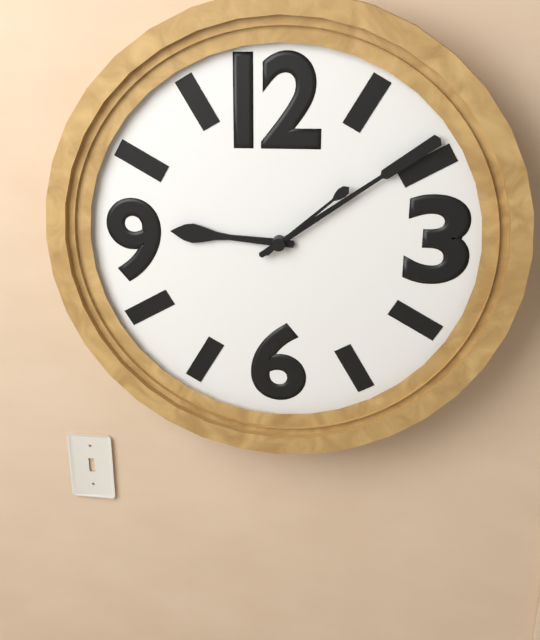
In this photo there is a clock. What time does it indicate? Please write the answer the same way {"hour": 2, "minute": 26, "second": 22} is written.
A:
{"hour": 9, "minute": 9, "second": 8}
